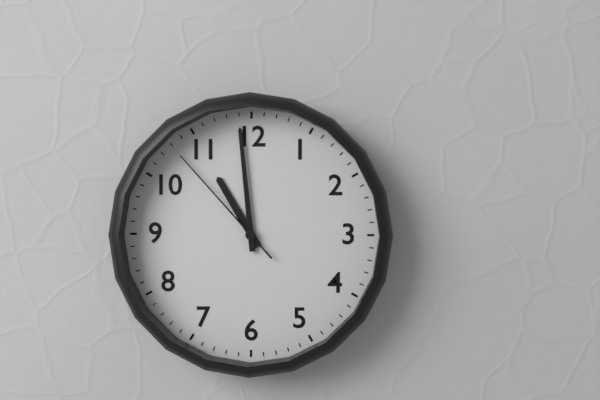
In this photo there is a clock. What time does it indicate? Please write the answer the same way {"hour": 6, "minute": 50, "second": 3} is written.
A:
{"hour": 10, "minute": 59, "second": 53}
